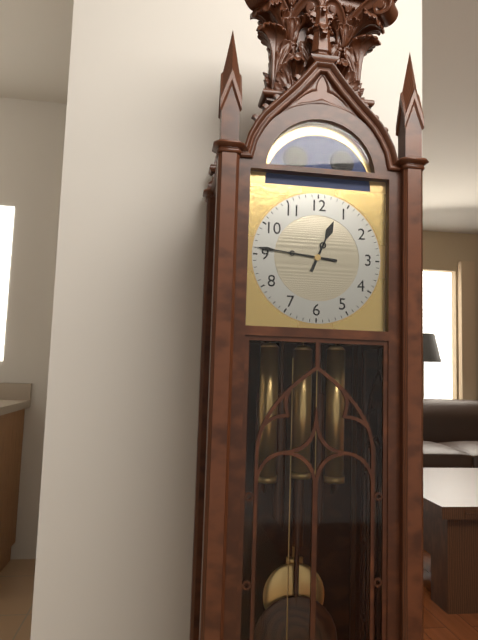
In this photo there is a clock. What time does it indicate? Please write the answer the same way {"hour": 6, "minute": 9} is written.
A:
{"hour": 12, "minute": 46}
